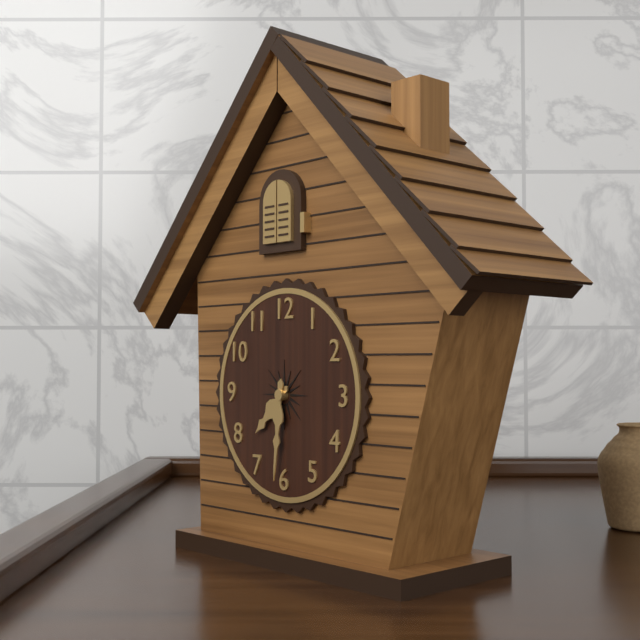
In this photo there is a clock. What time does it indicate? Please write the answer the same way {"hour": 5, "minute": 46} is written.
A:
{"hour": 7, "minute": 31}
